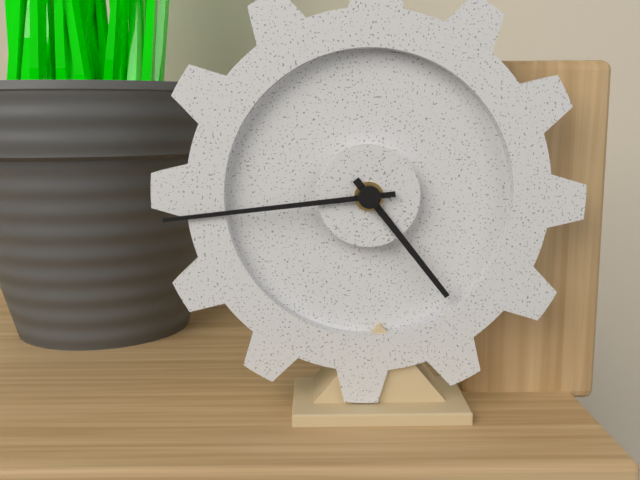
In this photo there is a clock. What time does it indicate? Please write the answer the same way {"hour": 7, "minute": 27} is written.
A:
{"hour": 4, "minute": 44}
